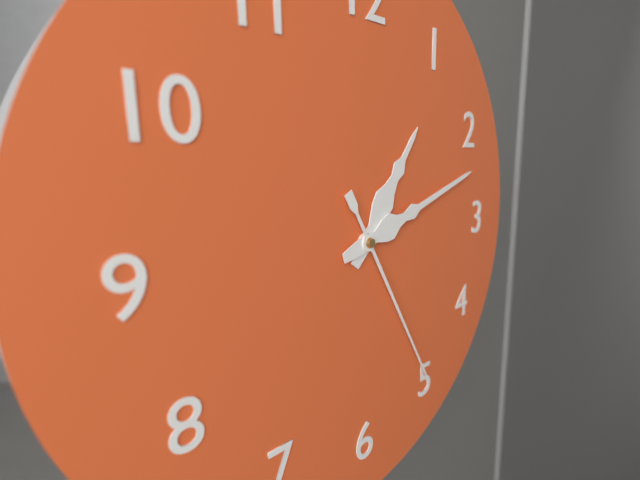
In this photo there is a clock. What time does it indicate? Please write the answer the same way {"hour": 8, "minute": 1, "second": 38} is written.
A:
{"hour": 1, "minute": 12, "second": 25}
